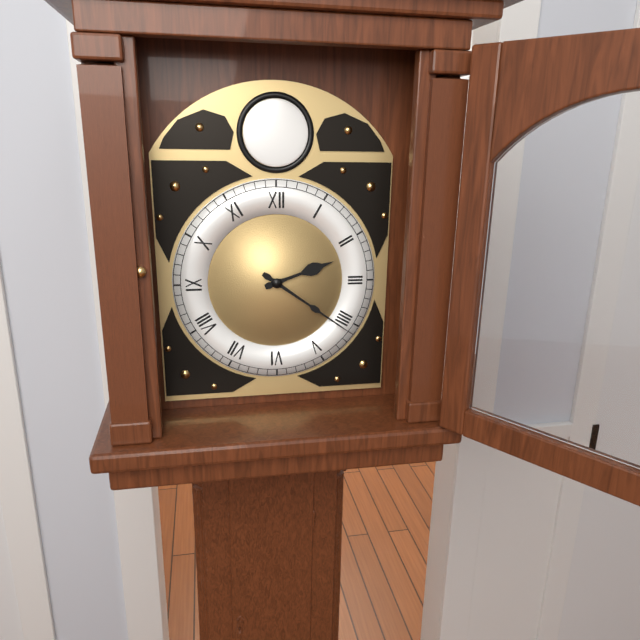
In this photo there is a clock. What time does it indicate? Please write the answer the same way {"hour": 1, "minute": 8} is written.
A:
{"hour": 2, "minute": 21}
